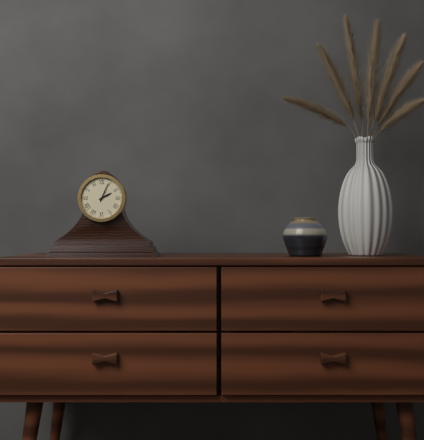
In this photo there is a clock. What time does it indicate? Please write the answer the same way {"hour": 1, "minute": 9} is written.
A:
{"hour": 2, "minute": 4}
